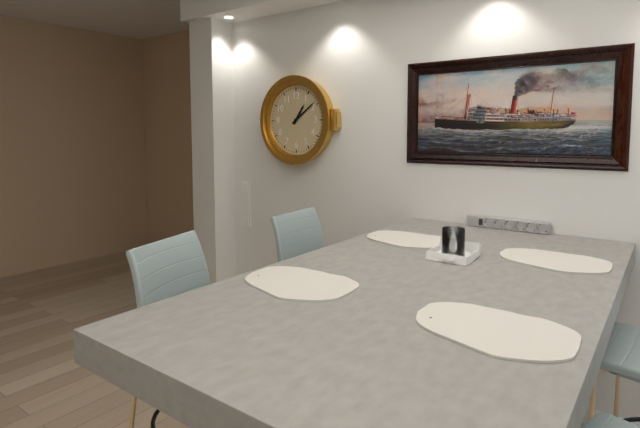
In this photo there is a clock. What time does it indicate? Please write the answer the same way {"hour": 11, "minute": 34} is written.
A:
{"hour": 1, "minute": 9}
